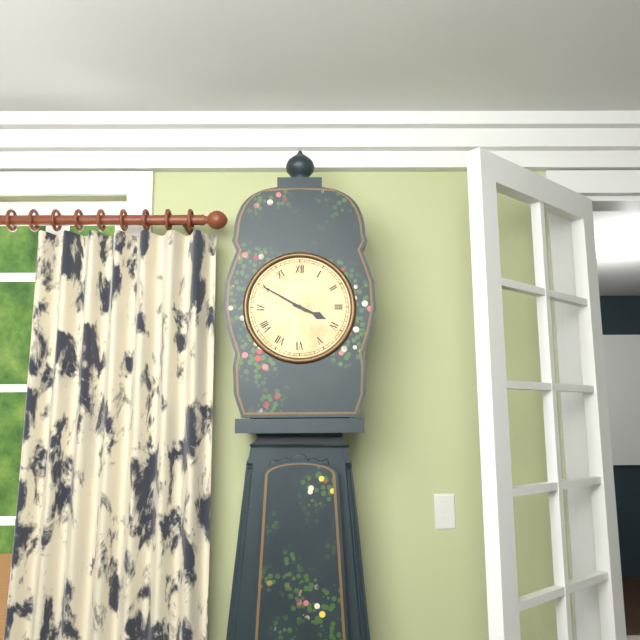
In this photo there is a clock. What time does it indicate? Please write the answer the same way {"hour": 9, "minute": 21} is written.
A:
{"hour": 3, "minute": 50}
